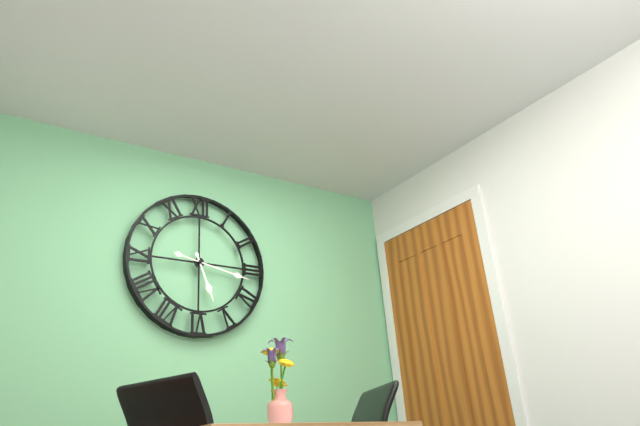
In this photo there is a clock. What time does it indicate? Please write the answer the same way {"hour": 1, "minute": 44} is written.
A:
{"hour": 5, "minute": 17}
